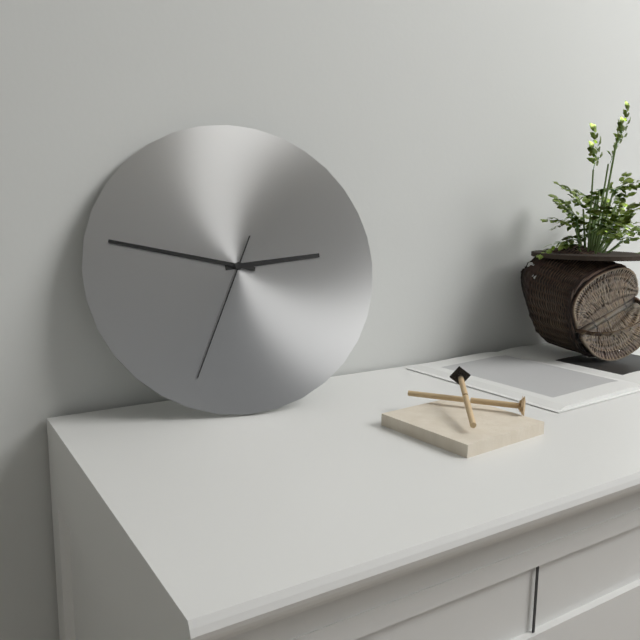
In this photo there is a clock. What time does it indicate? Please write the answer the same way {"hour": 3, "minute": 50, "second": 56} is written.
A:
{"hour": 2, "minute": 47, "second": 34}
